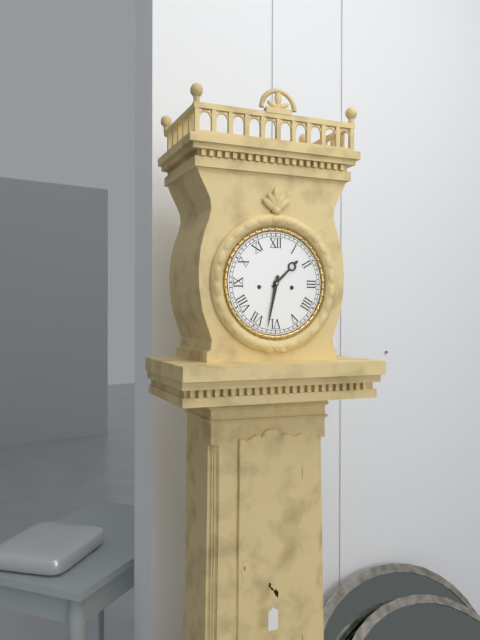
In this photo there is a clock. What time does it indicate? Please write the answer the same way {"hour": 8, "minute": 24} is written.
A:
{"hour": 1, "minute": 32}
